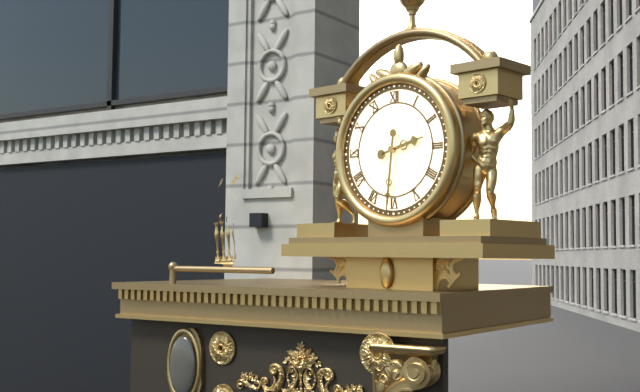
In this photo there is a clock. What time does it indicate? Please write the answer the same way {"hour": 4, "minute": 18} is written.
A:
{"hour": 2, "minute": 31}
